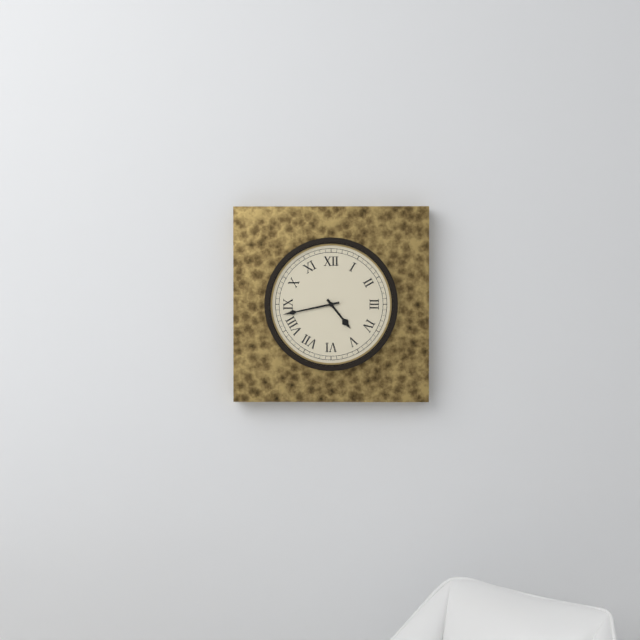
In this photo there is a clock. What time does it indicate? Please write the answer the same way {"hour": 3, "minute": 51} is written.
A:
{"hour": 4, "minute": 43}
